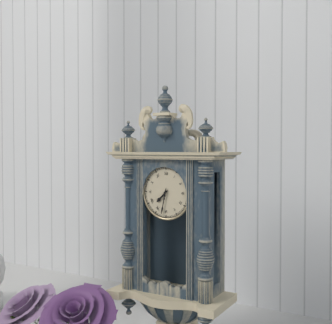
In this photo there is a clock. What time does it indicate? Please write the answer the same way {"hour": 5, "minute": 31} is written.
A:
{"hour": 7, "minute": 32}
